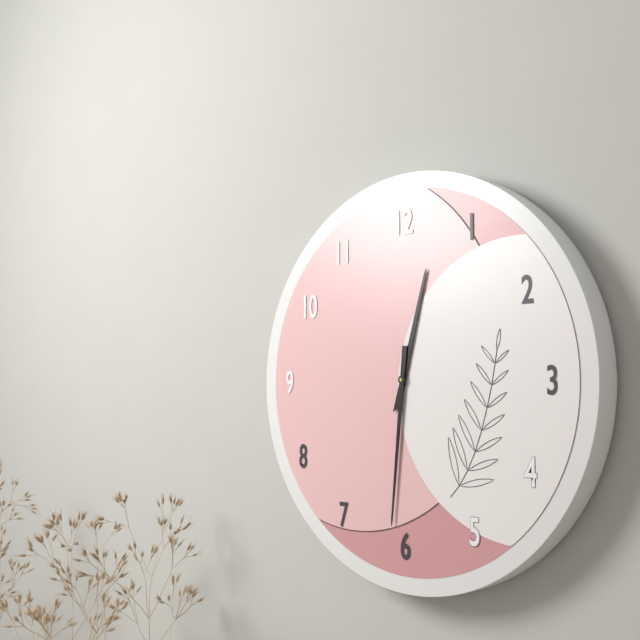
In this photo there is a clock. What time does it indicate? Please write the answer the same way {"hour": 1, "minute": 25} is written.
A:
{"hour": 12, "minute": 31}
